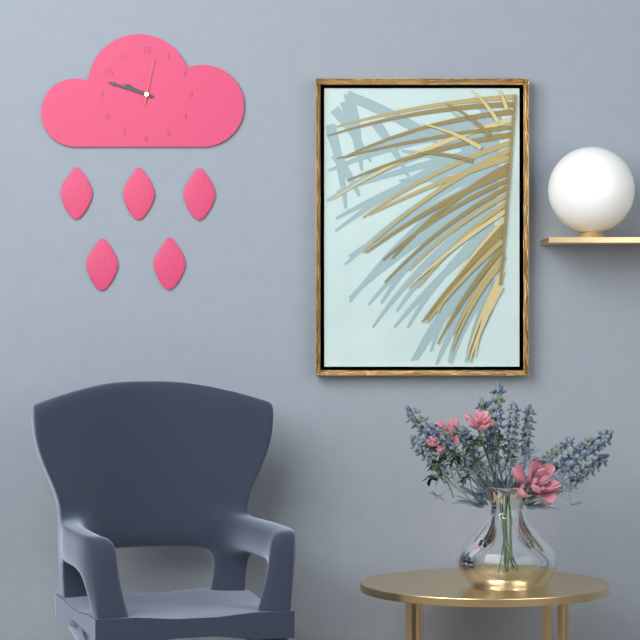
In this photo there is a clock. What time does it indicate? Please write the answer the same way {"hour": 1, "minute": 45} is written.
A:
{"hour": 9, "minute": 48}
